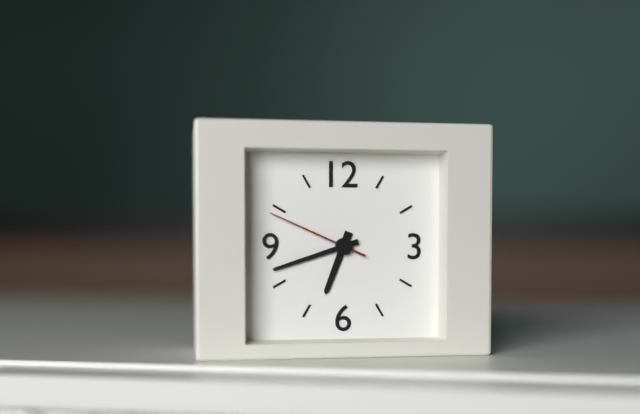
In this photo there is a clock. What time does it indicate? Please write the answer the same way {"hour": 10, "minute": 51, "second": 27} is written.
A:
{"hour": 6, "minute": 42, "second": 49}
